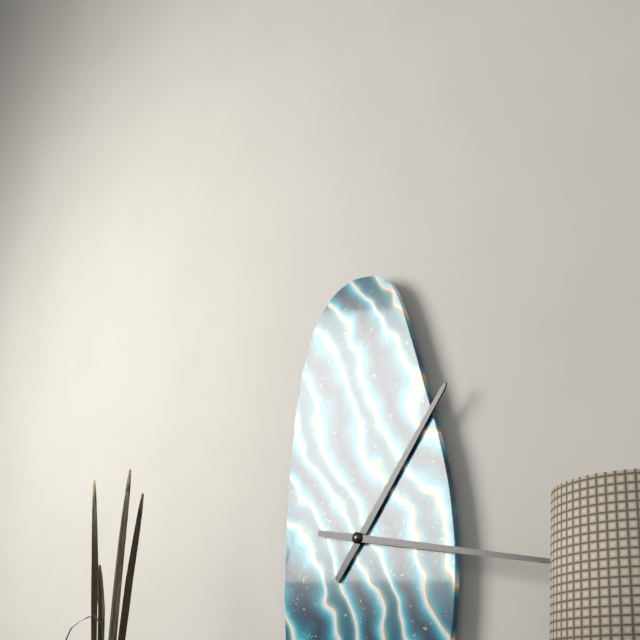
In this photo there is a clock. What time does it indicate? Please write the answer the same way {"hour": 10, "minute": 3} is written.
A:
{"hour": 1, "minute": 17}
